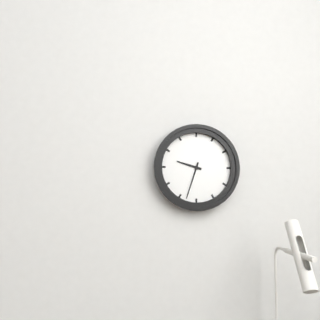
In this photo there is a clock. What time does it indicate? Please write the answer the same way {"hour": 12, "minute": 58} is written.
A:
{"hour": 9, "minute": 33}
